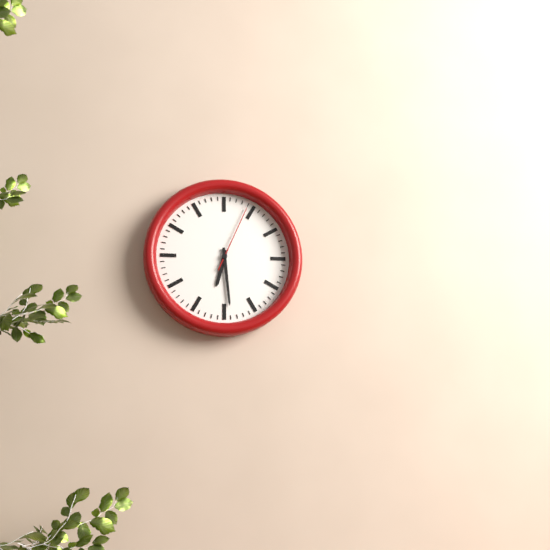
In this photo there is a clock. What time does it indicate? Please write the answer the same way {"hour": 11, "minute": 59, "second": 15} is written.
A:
{"hour": 6, "minute": 29, "second": 4}
